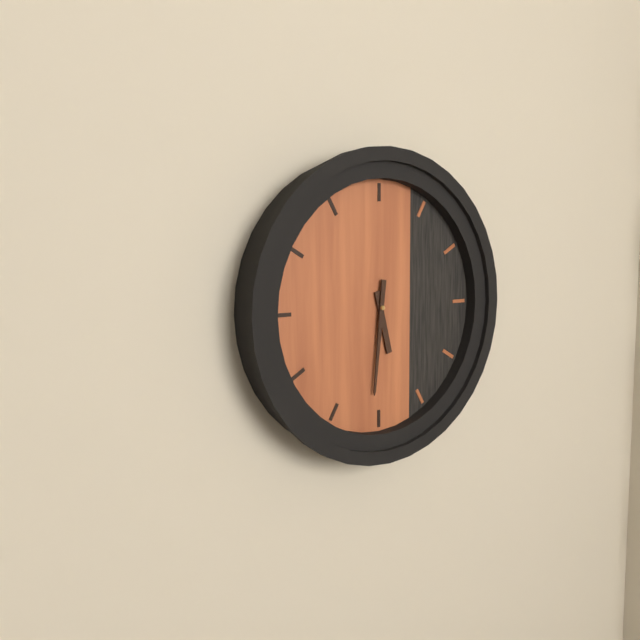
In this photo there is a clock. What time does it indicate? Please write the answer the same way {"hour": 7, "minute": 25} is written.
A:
{"hour": 5, "minute": 31}
